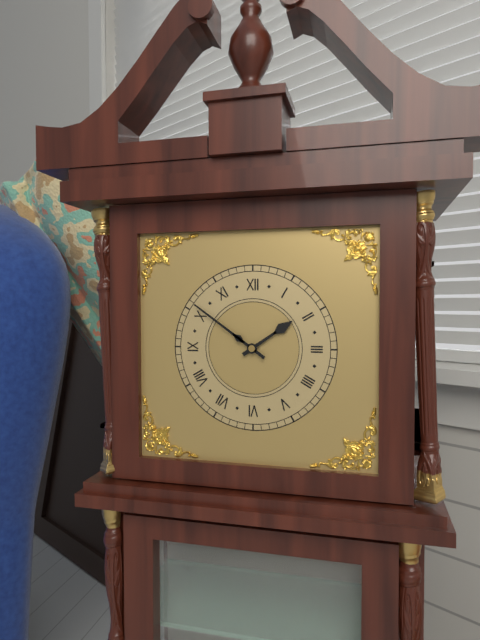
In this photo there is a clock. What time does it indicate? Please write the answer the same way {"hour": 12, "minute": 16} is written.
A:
{"hour": 1, "minute": 51}
